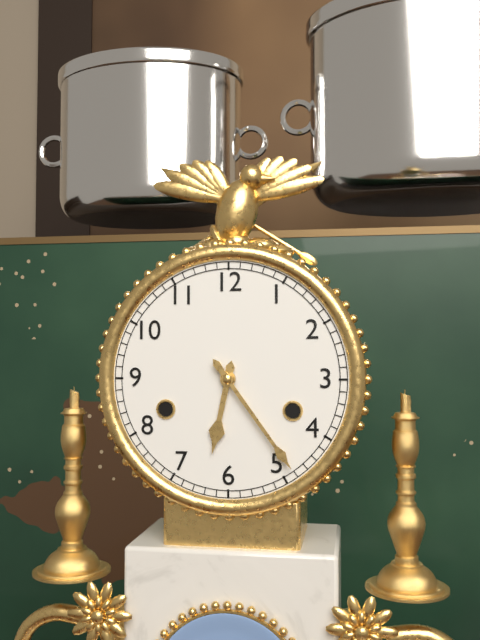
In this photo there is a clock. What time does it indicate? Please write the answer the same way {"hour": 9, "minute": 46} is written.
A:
{"hour": 6, "minute": 24}
